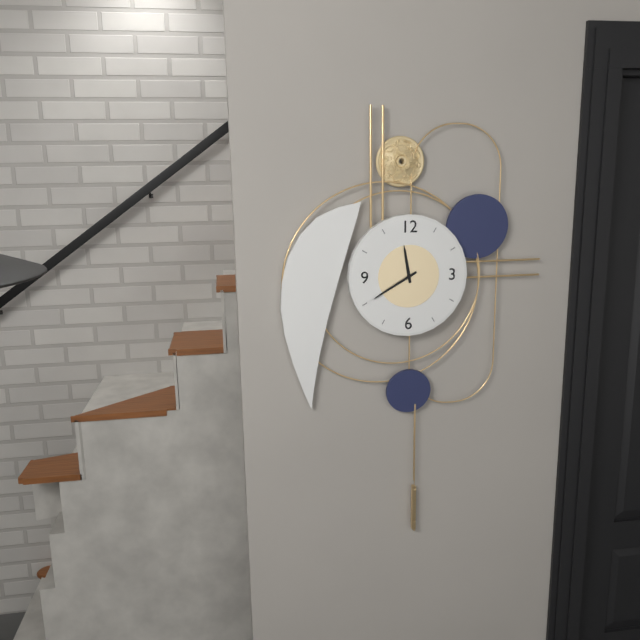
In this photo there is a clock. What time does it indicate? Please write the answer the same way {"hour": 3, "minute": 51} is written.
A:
{"hour": 11, "minute": 40}
